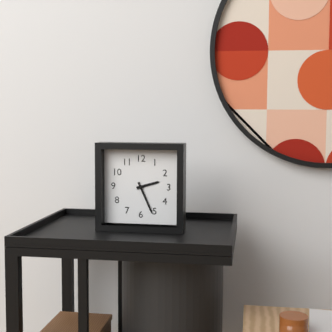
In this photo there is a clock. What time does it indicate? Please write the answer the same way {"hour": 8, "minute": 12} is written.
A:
{"hour": 2, "minute": 26}
